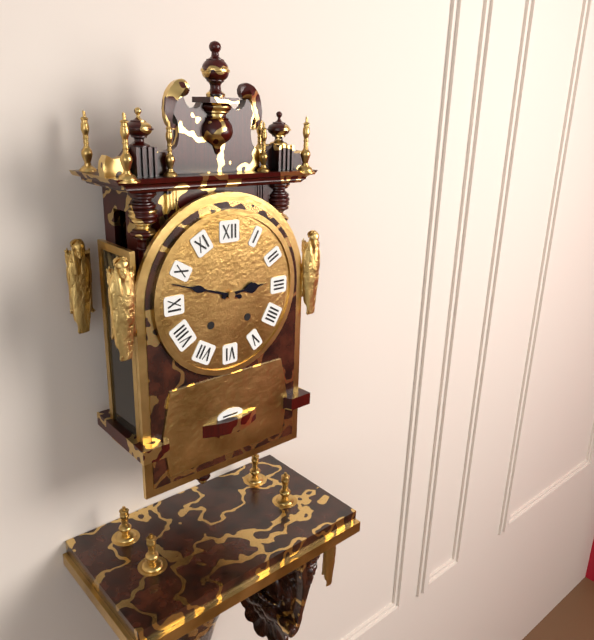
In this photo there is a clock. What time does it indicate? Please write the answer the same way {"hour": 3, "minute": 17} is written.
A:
{"hour": 2, "minute": 48}
